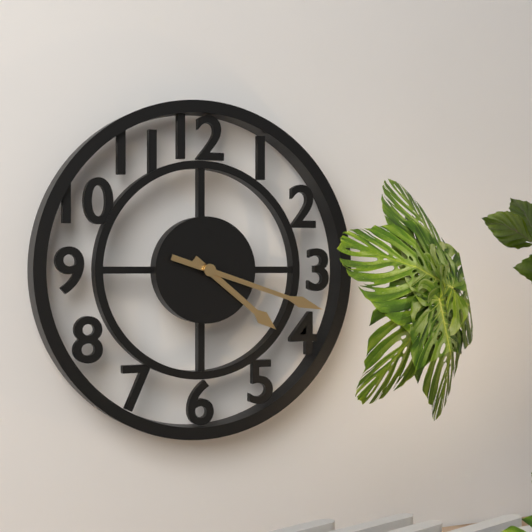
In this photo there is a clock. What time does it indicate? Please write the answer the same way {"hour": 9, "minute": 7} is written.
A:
{"hour": 4, "minute": 18}
